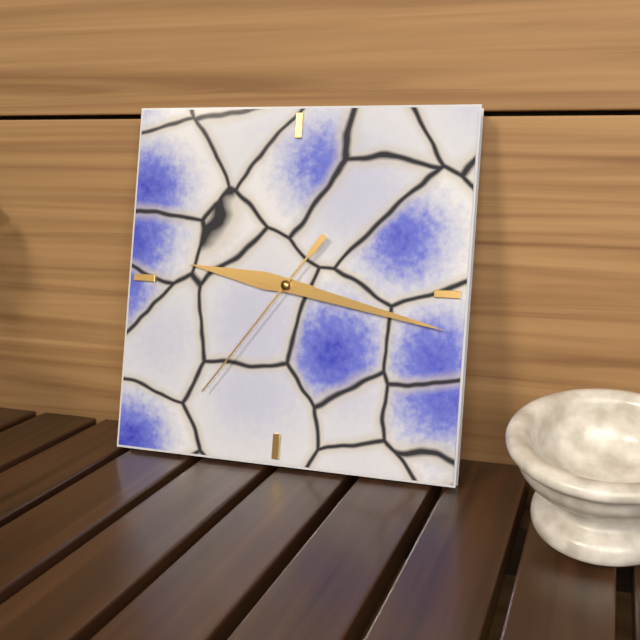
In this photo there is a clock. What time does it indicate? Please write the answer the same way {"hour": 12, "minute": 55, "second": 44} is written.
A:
{"hour": 9, "minute": 17, "second": 36}
